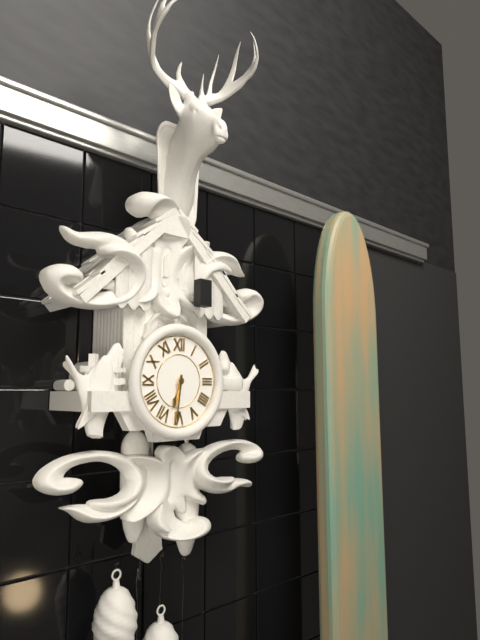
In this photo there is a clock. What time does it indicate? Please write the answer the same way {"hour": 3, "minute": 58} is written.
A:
{"hour": 6, "minute": 31}
